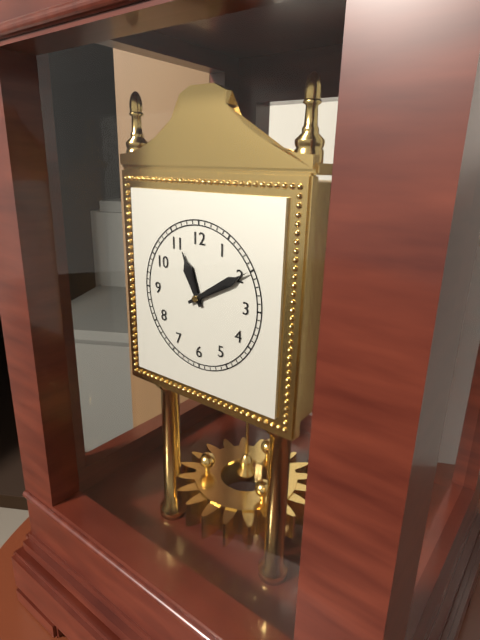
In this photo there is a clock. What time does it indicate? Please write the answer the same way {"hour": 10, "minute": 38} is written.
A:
{"hour": 11, "minute": 10}
